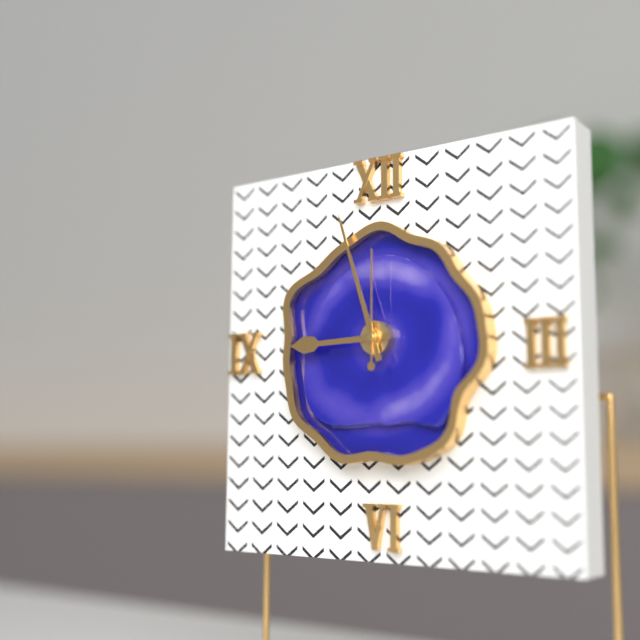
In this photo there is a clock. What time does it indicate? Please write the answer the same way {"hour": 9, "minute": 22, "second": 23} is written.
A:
{"hour": 8, "minute": 57, "second": 0}
